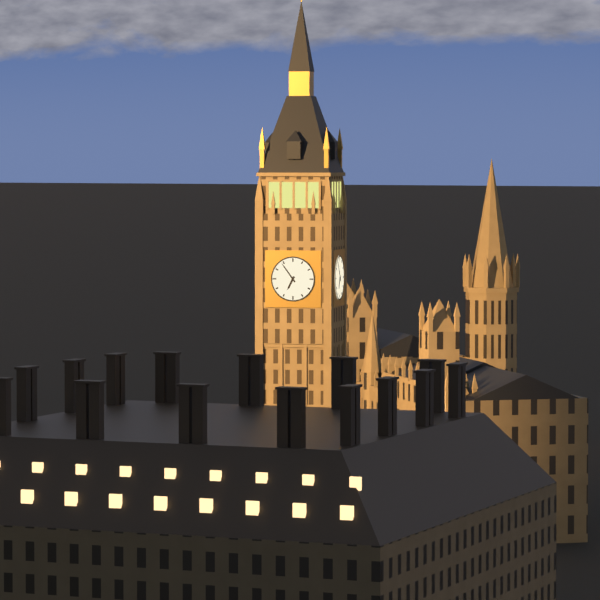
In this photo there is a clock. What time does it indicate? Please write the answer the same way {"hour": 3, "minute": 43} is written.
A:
{"hour": 6, "minute": 54}
